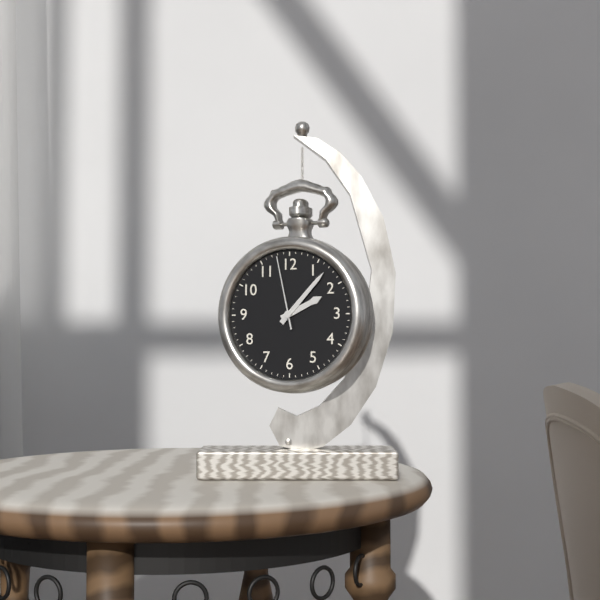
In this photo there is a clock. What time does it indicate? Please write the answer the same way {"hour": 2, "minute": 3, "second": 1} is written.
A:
{"hour": 2, "minute": 7, "second": 58}
